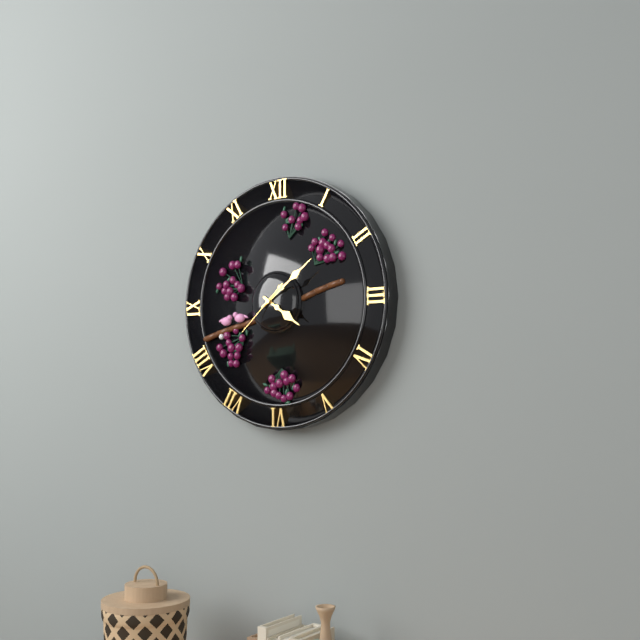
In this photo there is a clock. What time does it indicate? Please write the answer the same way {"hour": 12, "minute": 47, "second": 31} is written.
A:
{"hour": 4, "minute": 9, "second": 38}
